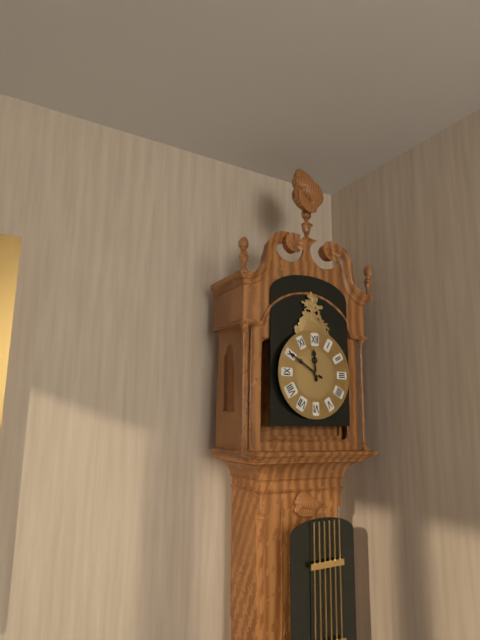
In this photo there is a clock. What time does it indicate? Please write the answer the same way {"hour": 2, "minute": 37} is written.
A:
{"hour": 11, "minute": 50}
